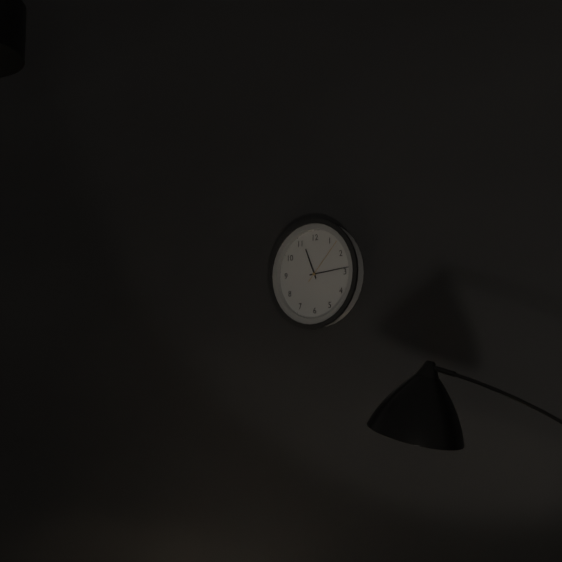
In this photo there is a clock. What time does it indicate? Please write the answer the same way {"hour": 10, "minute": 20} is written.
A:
{"hour": 11, "minute": 14}
